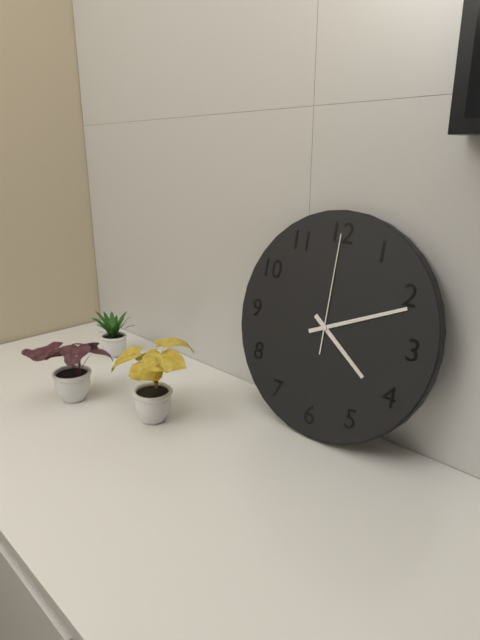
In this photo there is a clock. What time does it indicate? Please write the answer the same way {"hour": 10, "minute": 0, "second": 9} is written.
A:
{"hour": 4, "minute": 11, "second": 0}
